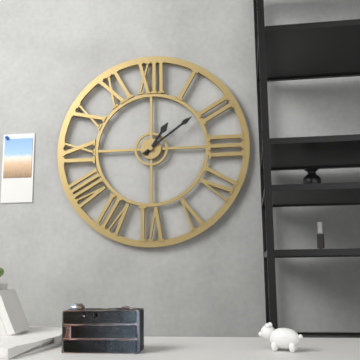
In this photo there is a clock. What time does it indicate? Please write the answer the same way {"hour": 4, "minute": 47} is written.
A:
{"hour": 1, "minute": 9}
